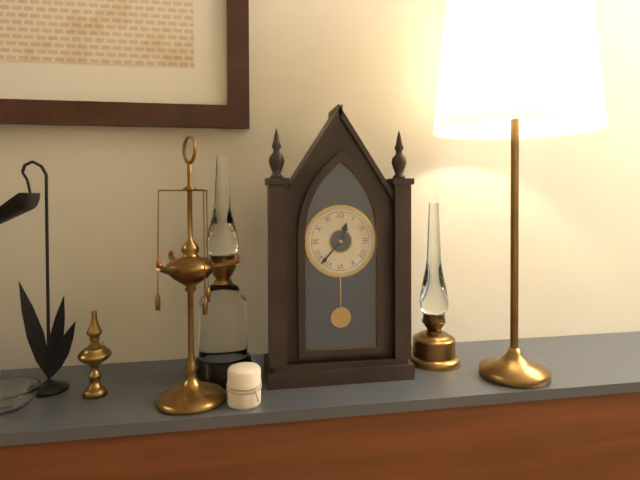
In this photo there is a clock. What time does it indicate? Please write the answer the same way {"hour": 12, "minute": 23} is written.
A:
{"hour": 12, "minute": 37}
